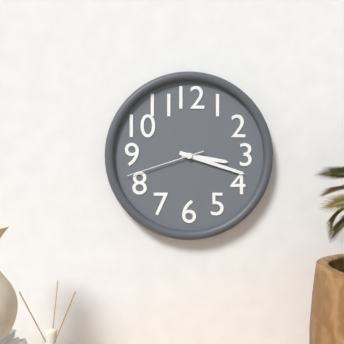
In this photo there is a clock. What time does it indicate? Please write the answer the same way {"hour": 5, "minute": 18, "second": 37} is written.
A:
{"hour": 3, "minute": 18, "second": 42}
